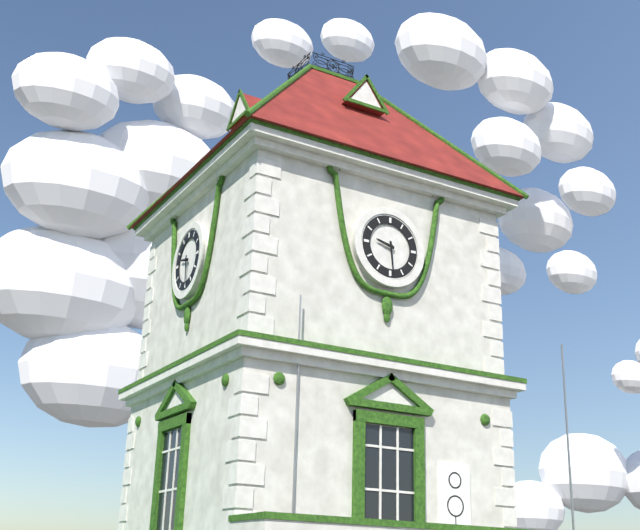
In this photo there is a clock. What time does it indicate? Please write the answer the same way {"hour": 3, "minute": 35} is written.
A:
{"hour": 9, "minute": 29}
